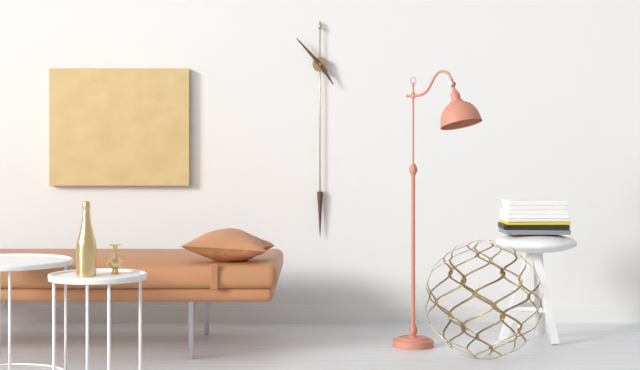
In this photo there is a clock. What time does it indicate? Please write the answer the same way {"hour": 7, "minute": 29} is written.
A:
{"hour": 4, "minute": 53}
